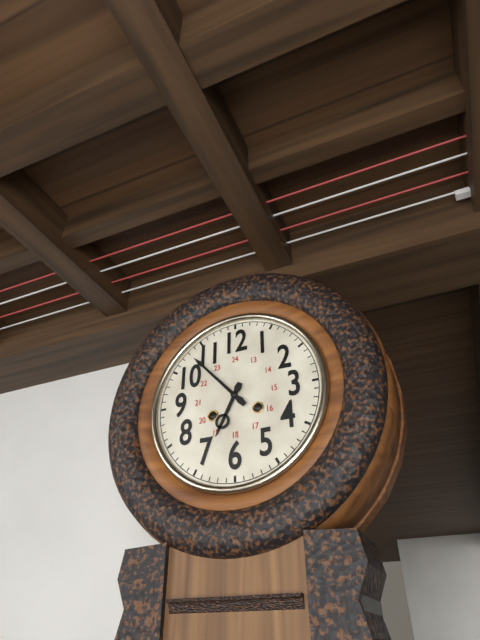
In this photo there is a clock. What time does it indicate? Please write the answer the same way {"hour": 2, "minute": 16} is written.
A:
{"hour": 6, "minute": 53}
